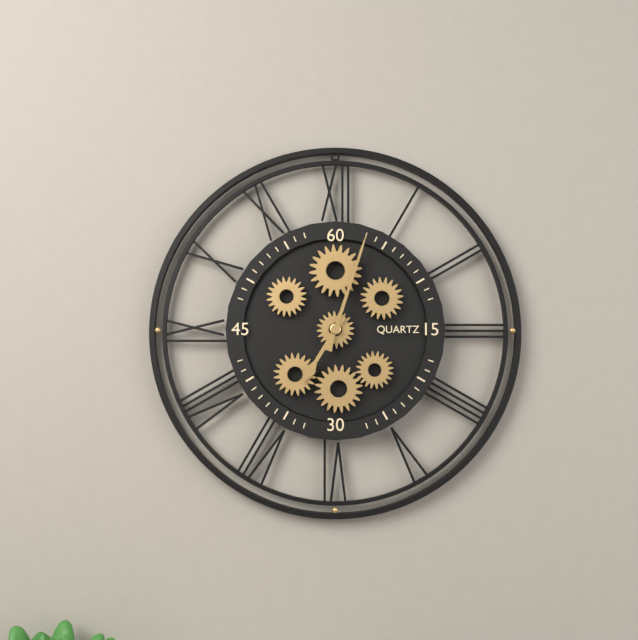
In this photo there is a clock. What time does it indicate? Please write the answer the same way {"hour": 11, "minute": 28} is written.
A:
{"hour": 7, "minute": 3}
